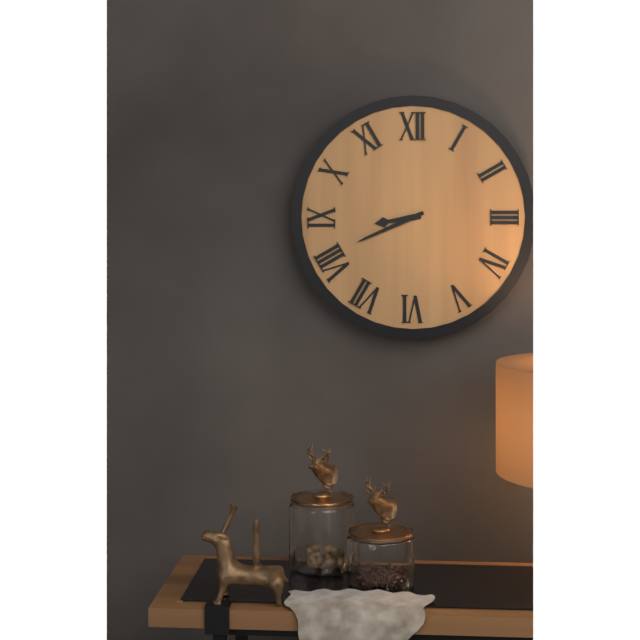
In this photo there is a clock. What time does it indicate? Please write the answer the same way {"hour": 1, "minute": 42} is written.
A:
{"hour": 8, "minute": 41}
